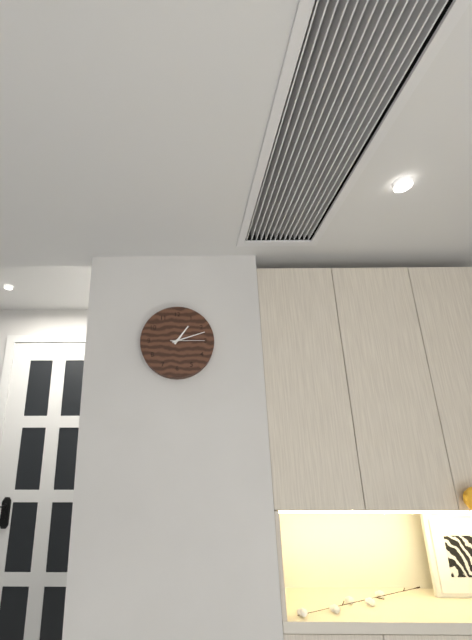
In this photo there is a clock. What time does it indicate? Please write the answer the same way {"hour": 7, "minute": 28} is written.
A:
{"hour": 1, "minute": 12}
